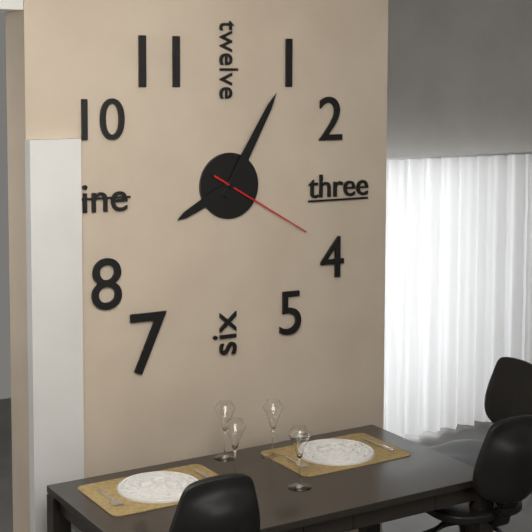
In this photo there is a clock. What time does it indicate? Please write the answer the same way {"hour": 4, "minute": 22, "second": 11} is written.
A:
{"hour": 8, "minute": 5, "second": 20}
